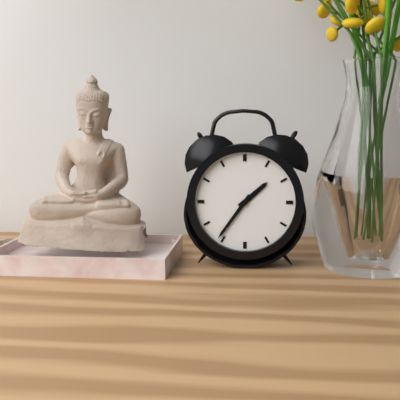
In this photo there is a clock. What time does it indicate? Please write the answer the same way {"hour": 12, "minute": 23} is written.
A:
{"hour": 1, "minute": 36}
